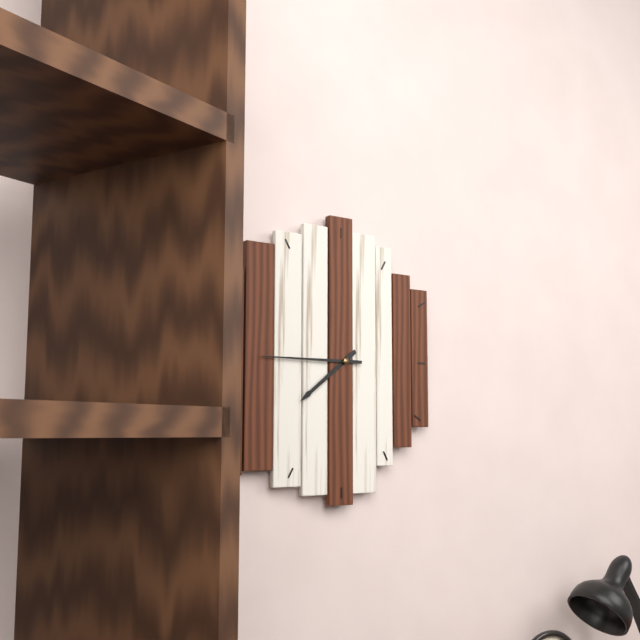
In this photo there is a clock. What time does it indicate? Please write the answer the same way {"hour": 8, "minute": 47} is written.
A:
{"hour": 7, "minute": 45}
